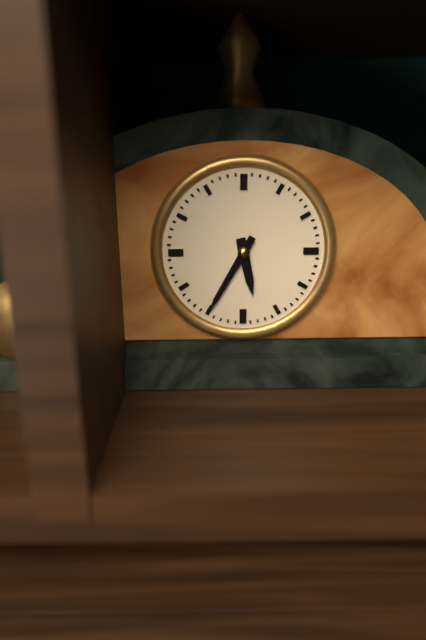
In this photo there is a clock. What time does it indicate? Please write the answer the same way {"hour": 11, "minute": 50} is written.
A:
{"hour": 5, "minute": 35}
